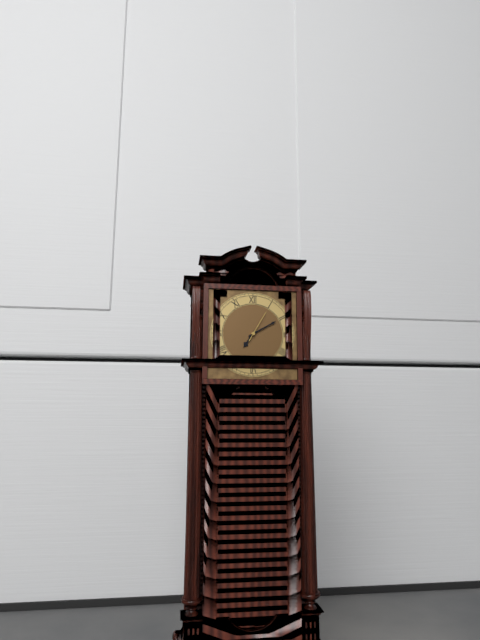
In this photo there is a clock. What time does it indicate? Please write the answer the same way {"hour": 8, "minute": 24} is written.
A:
{"hour": 7, "minute": 10}
